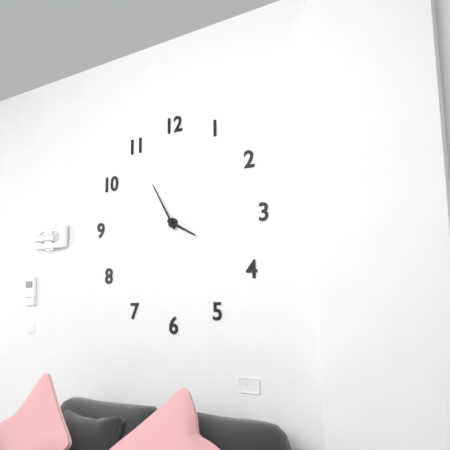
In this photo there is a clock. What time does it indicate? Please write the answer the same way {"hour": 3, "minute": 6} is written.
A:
{"hour": 3, "minute": 55}
